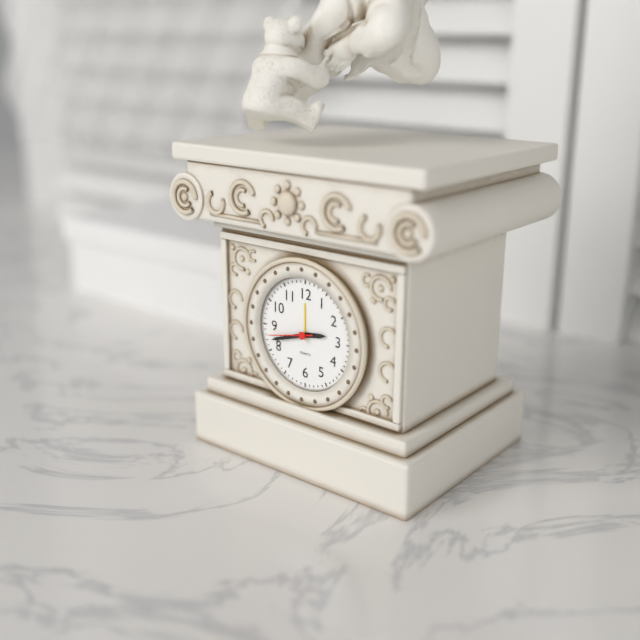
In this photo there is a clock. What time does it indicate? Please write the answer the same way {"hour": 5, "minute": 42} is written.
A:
{"hour": 2, "minute": 42}
